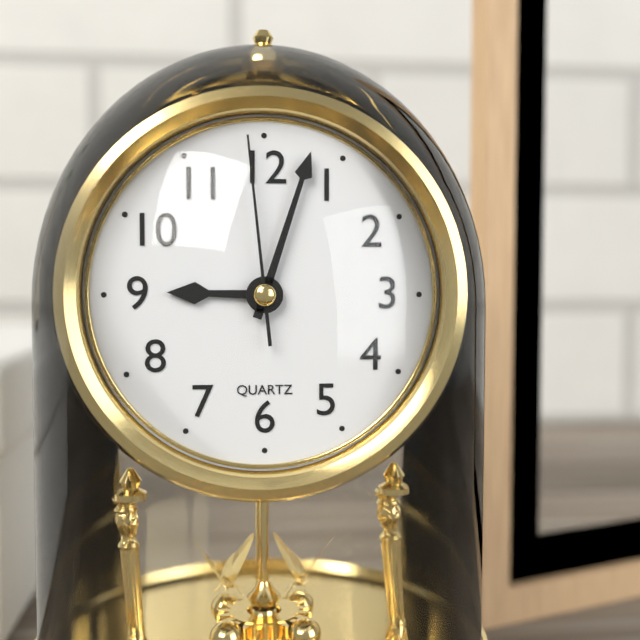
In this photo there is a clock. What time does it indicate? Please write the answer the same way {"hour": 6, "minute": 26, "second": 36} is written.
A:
{"hour": 9, "minute": 3, "second": 59}
